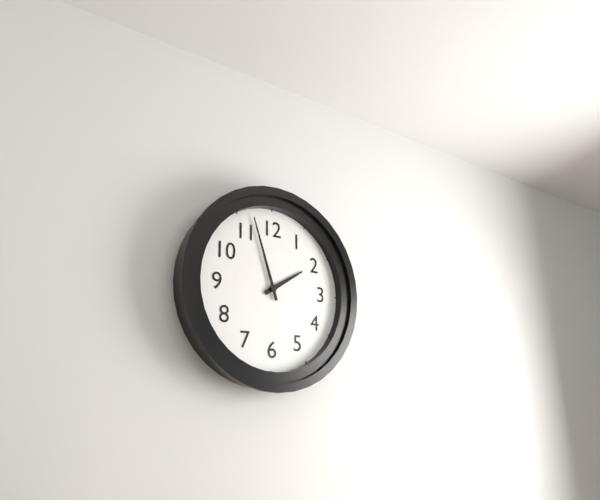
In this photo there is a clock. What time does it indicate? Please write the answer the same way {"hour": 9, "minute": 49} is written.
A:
{"hour": 1, "minute": 57}
